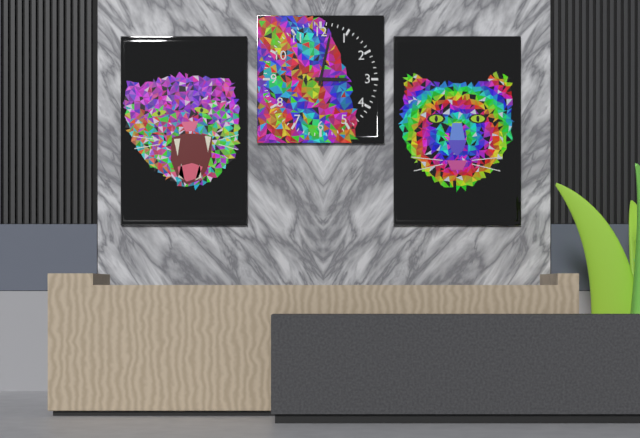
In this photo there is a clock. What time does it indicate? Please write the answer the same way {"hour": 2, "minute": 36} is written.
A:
{"hour": 3, "minute": 2}
